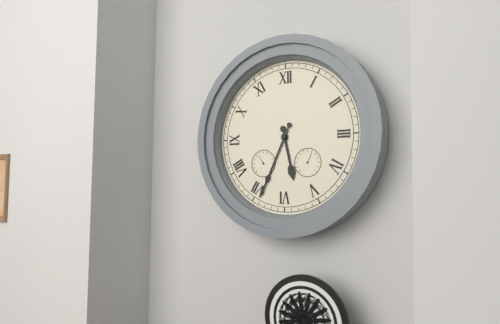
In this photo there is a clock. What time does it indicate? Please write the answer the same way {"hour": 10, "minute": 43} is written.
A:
{"hour": 5, "minute": 34}
